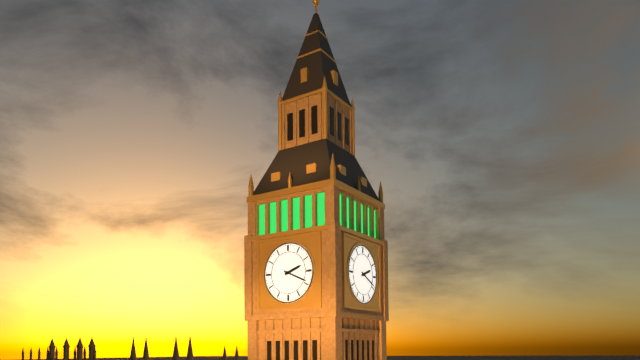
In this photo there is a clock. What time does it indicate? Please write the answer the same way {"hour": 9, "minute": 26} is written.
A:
{"hour": 2, "minute": 19}
